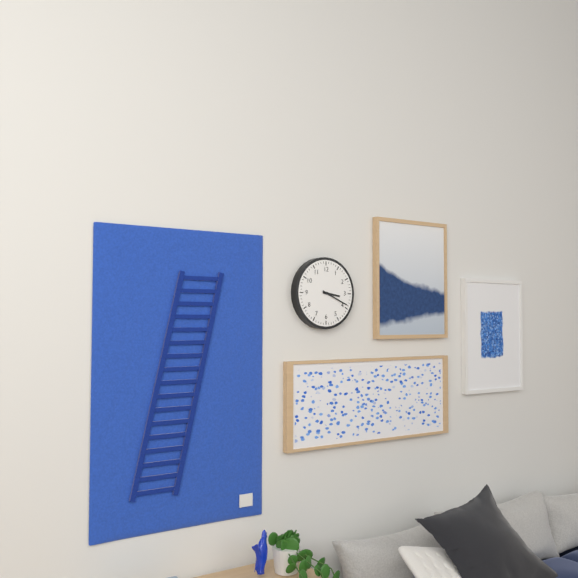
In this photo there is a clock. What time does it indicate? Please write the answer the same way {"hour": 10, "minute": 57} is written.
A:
{"hour": 3, "minute": 19}
